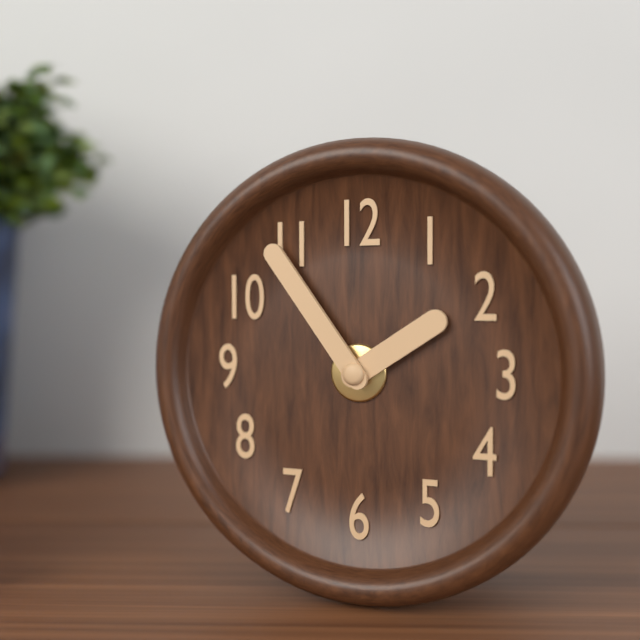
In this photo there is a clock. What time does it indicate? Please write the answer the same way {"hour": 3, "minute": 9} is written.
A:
{"hour": 1, "minute": 54}
